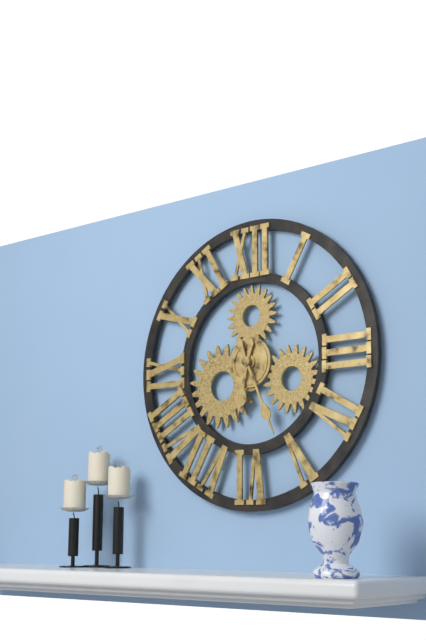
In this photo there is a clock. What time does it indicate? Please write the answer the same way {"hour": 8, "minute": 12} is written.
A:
{"hour": 6, "minute": 26}
